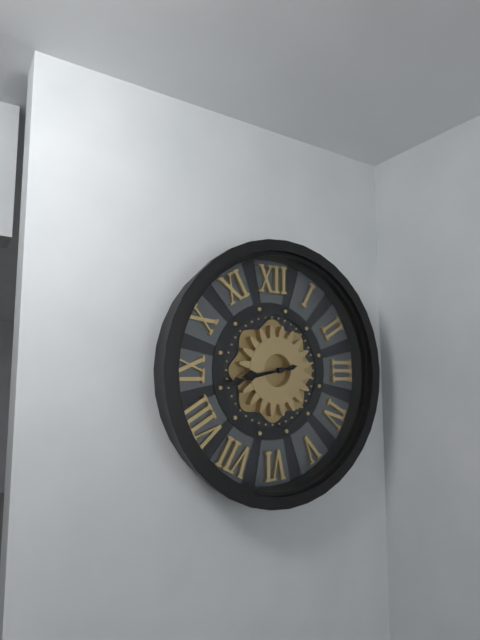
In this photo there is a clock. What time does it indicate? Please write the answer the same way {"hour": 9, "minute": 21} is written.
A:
{"hour": 8, "minute": 43}
